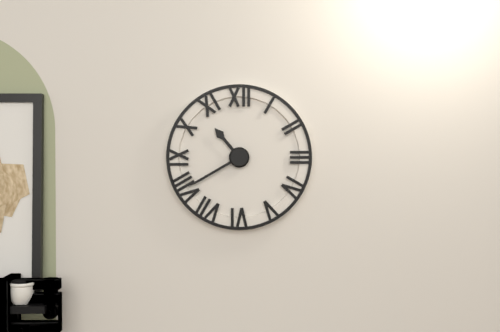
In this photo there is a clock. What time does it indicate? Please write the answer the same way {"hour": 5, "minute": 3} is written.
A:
{"hour": 10, "minute": 40}
